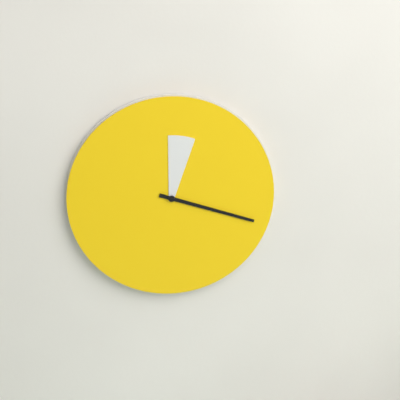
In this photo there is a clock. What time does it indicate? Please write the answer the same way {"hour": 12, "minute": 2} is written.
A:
{"hour": 12, "minute": 18}
